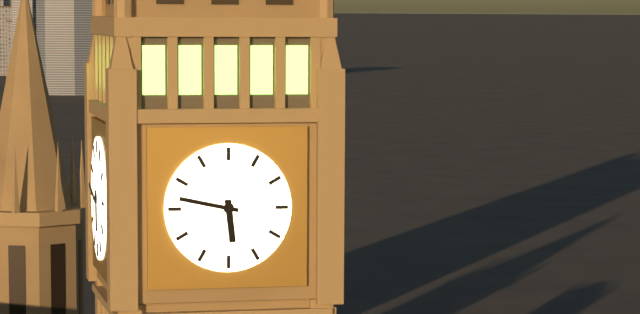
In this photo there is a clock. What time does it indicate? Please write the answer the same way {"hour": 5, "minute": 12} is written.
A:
{"hour": 5, "minute": 47}
